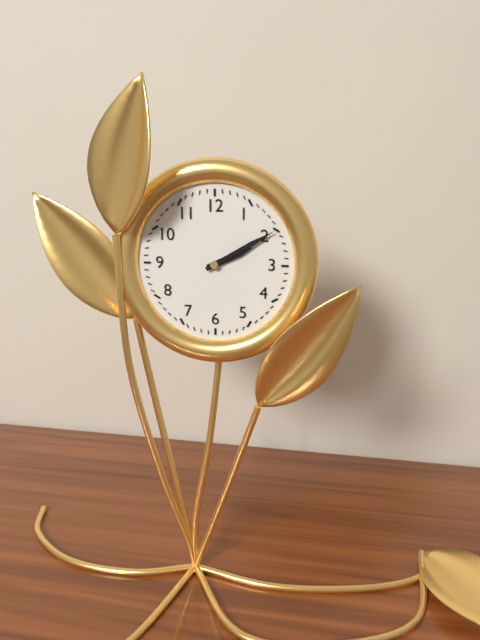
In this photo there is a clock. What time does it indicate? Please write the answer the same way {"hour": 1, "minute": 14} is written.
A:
{"hour": 2, "minute": 10}
